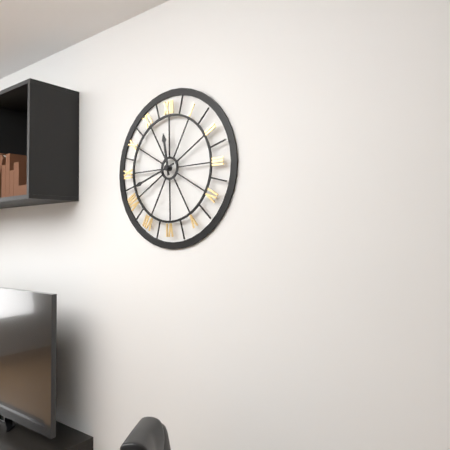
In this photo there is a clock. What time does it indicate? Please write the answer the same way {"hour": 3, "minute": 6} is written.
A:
{"hour": 11, "minute": 42}
